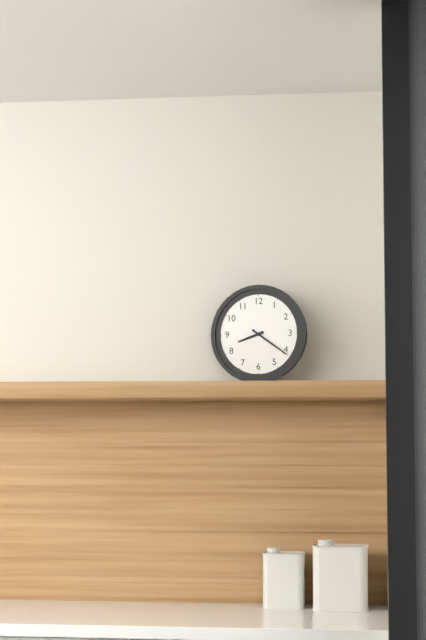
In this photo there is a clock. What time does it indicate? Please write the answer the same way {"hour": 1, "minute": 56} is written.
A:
{"hour": 8, "minute": 21}
